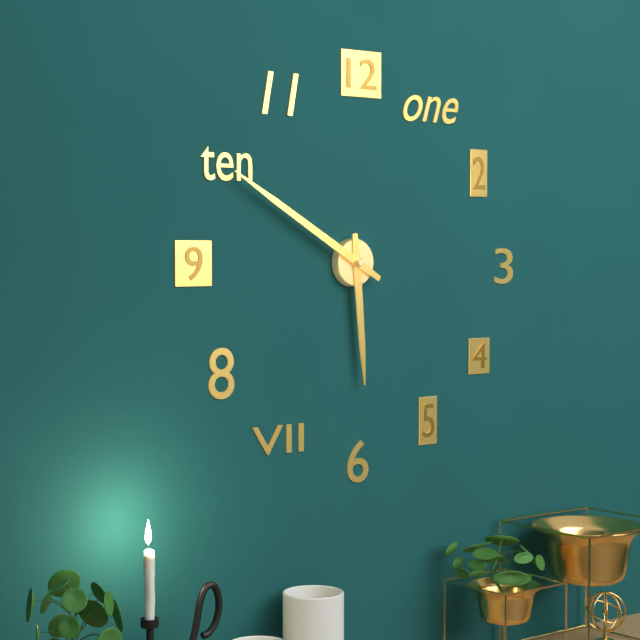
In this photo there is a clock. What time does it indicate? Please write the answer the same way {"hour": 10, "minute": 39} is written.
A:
{"hour": 5, "minute": 50}
